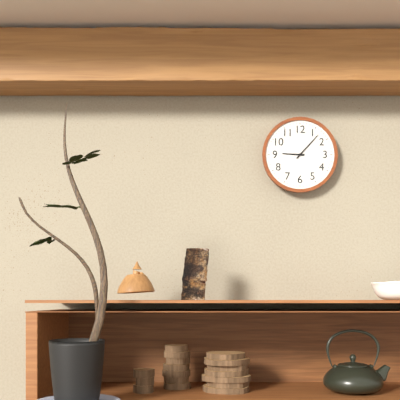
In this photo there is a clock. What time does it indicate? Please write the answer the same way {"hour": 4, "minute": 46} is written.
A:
{"hour": 9, "minute": 7}
